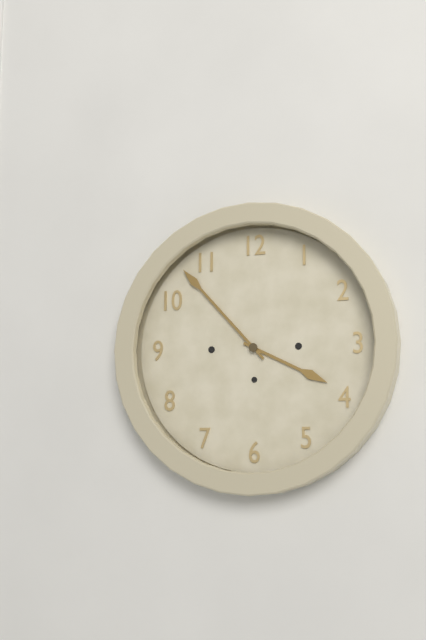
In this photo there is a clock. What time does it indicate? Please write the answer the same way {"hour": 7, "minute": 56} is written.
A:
{"hour": 3, "minute": 53}
